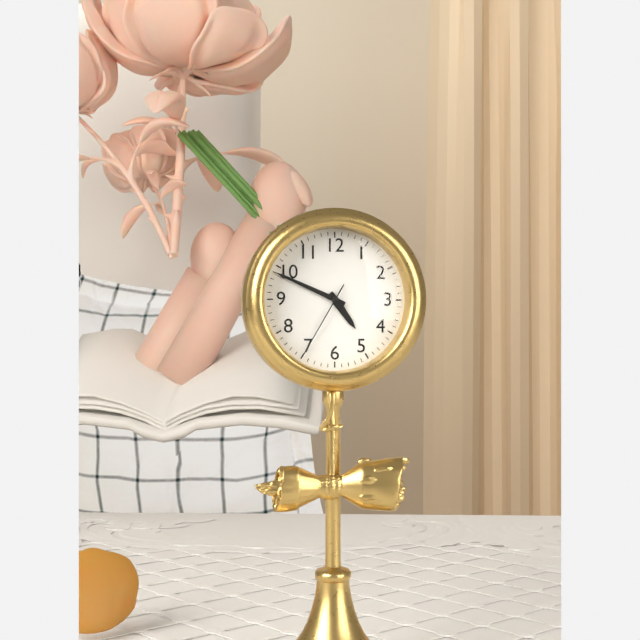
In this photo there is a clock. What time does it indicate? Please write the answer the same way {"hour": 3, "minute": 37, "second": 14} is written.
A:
{"hour": 4, "minute": 49, "second": 35}
